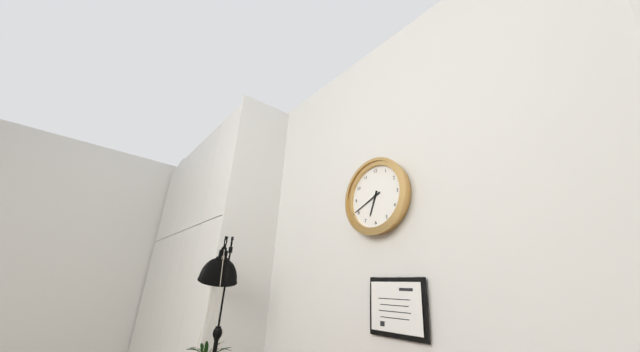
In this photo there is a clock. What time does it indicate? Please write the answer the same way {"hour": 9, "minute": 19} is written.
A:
{"hour": 6, "minute": 41}
